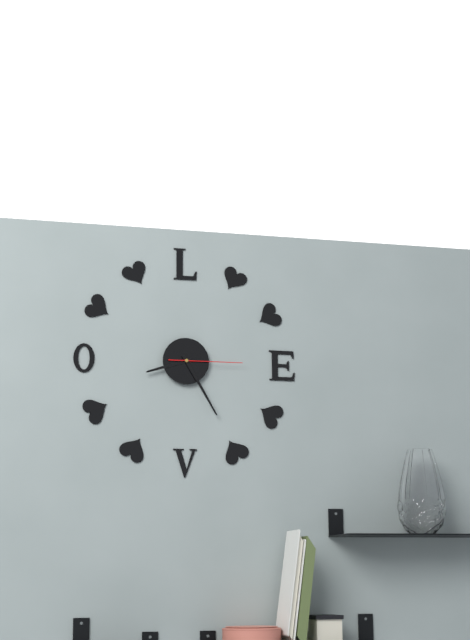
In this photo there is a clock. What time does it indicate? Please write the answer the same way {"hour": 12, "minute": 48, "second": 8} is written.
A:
{"hour": 8, "minute": 25, "second": 15}
